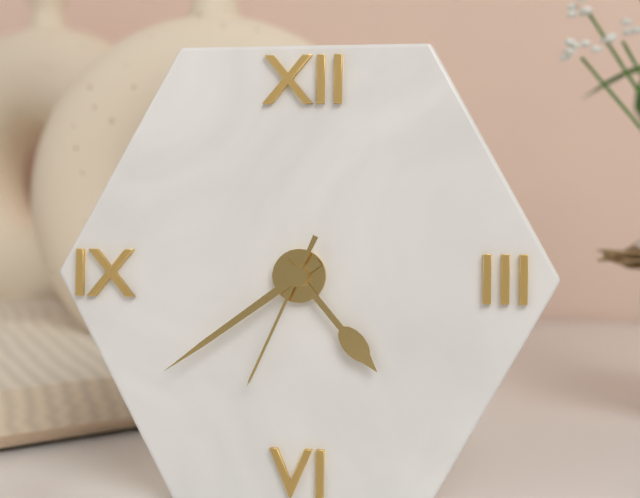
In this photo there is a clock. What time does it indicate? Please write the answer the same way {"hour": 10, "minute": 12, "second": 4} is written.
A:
{"hour": 4, "minute": 39, "second": 34}
